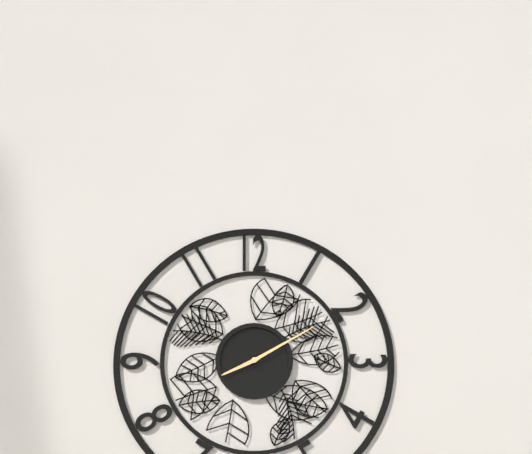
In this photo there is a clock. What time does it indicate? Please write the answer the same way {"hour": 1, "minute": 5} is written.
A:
{"hour": 8, "minute": 10}
